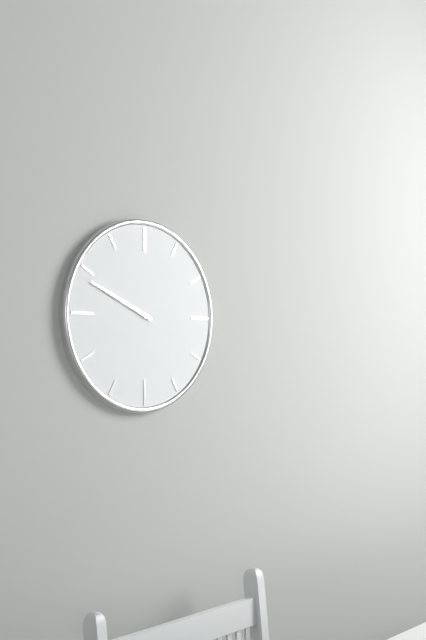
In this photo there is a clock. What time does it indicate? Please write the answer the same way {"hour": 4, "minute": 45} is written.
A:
{"hour": 9, "minute": 49}
